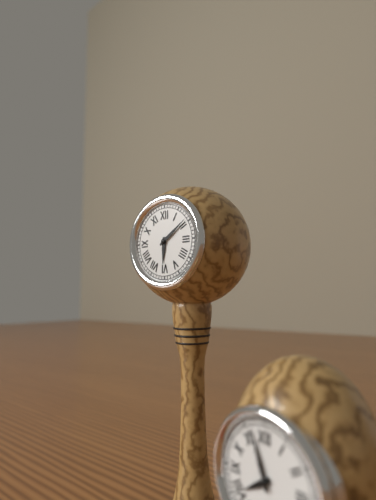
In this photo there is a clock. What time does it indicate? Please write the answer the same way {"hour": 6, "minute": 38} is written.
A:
{"hour": 6, "minute": 9}
